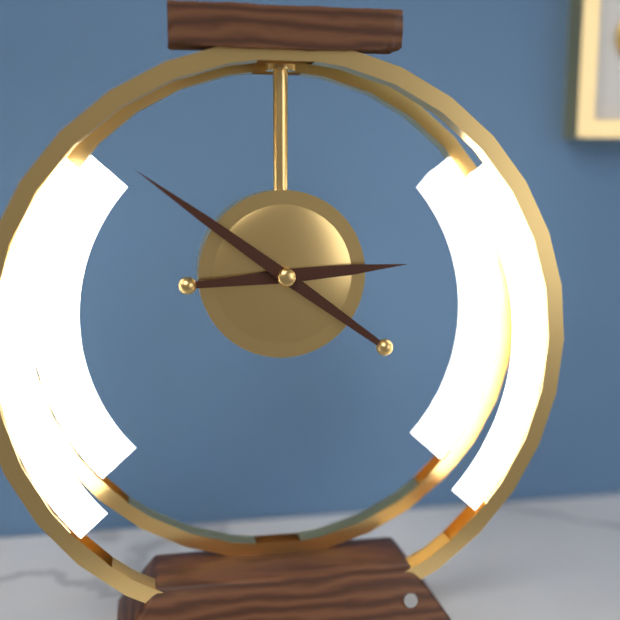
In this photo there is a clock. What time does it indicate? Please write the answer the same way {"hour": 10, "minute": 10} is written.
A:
{"hour": 2, "minute": 51}
